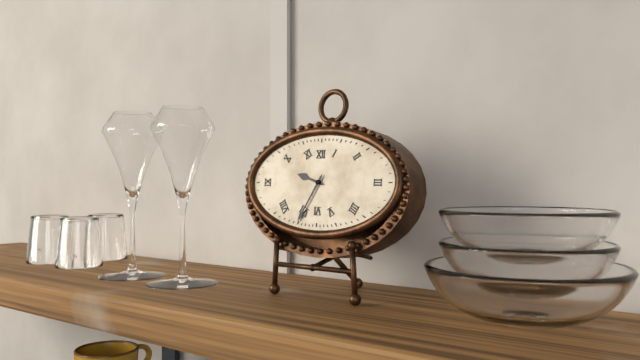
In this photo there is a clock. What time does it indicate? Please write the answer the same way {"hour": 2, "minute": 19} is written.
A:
{"hour": 9, "minute": 35}
